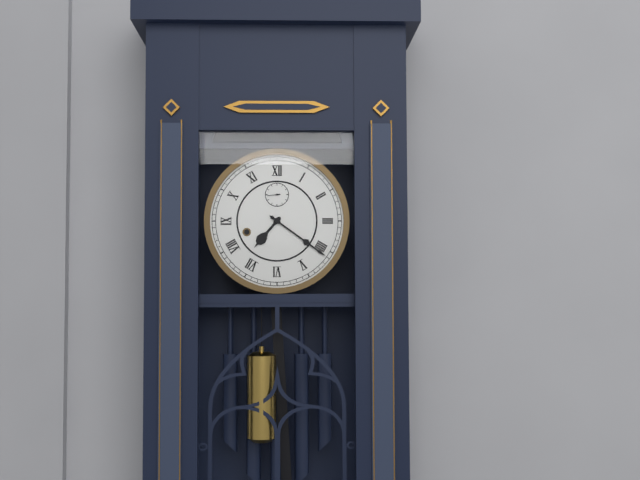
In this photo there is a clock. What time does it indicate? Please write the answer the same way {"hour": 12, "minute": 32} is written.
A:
{"hour": 7, "minute": 21}
